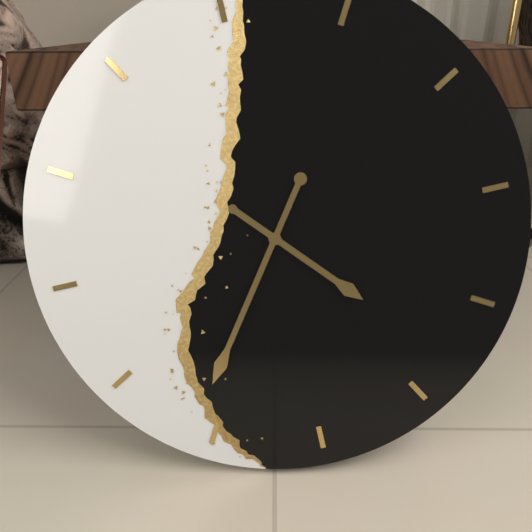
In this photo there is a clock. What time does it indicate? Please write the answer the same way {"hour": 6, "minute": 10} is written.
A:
{"hour": 4, "minute": 36}
